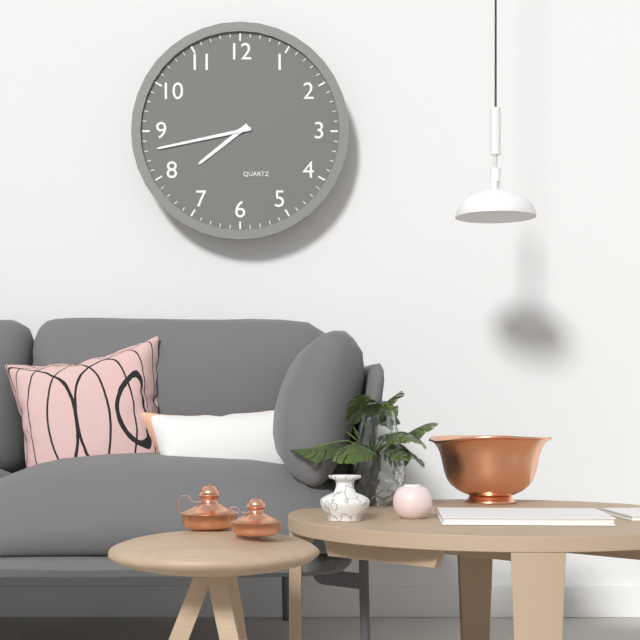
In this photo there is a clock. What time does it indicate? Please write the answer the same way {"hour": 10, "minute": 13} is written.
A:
{"hour": 7, "minute": 43}
